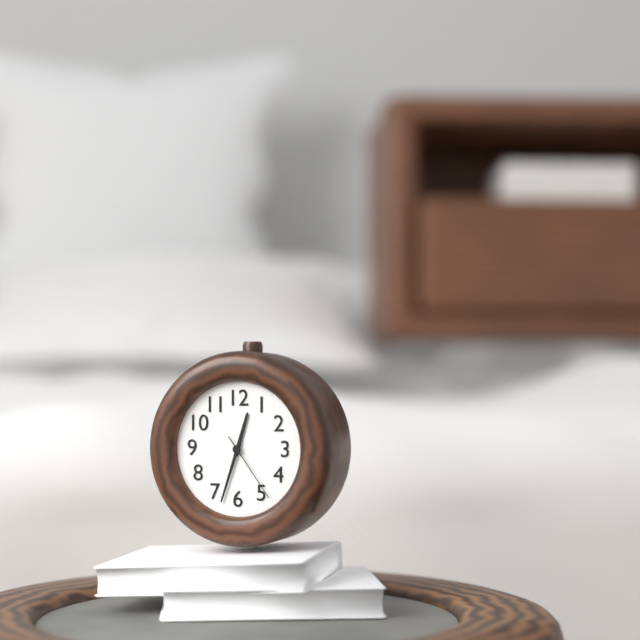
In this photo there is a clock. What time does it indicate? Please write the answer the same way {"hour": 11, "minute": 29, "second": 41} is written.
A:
{"hour": 12, "minute": 33, "second": 24}
